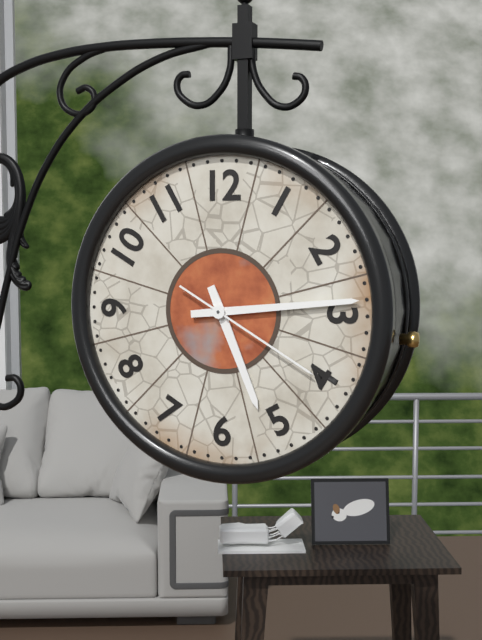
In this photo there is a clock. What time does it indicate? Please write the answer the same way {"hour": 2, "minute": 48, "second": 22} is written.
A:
{"hour": 5, "minute": 14, "second": 20}
